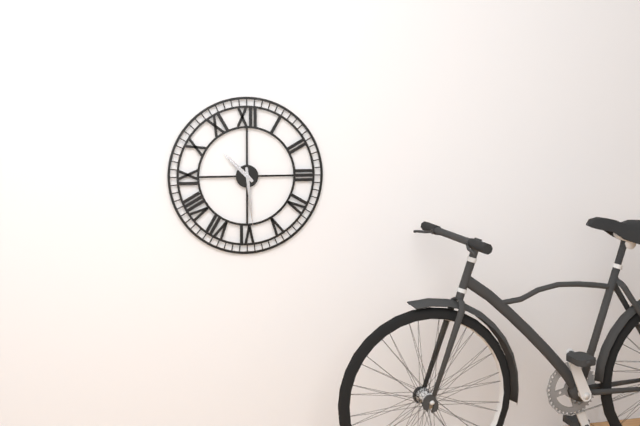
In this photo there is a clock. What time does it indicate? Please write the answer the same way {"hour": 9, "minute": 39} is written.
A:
{"hour": 10, "minute": 29}
